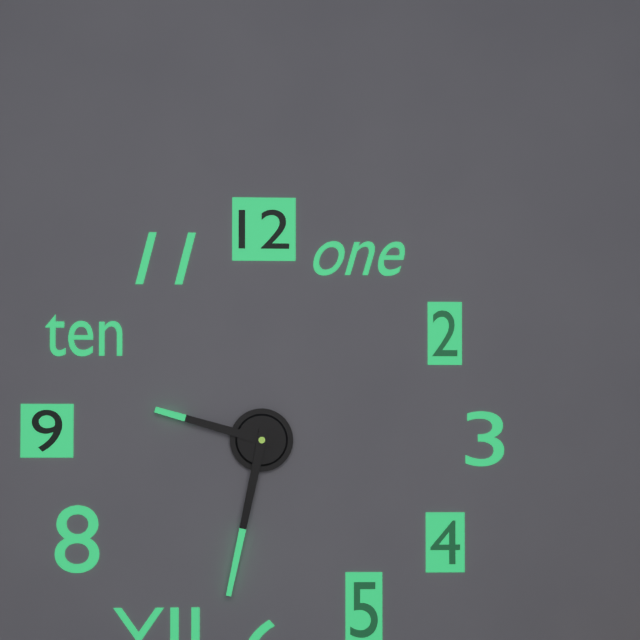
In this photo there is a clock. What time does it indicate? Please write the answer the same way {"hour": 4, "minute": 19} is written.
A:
{"hour": 9, "minute": 32}
